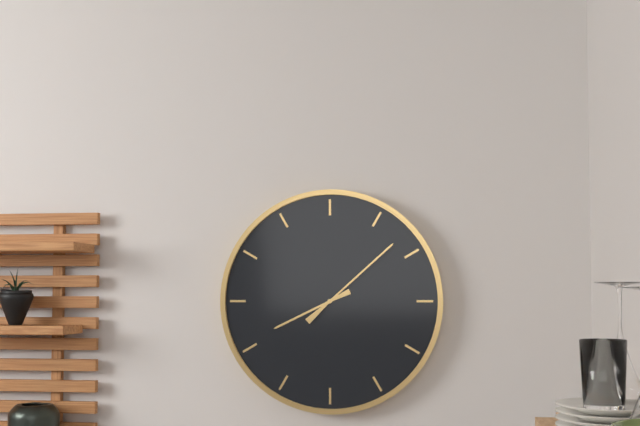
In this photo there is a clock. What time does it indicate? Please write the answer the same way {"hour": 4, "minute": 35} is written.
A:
{"hour": 8, "minute": 8}
